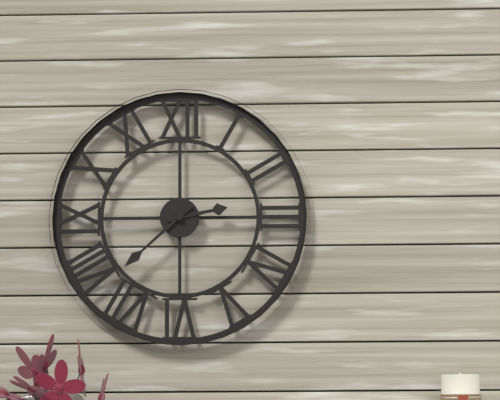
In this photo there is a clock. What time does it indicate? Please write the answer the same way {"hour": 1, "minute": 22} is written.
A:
{"hour": 2, "minute": 38}
